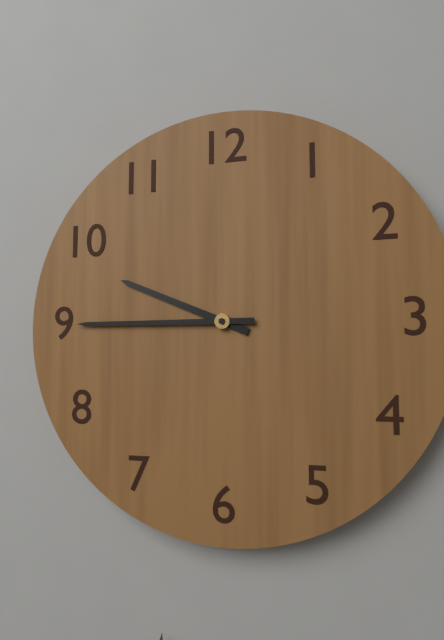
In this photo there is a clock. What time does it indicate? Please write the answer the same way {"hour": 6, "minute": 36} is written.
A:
{"hour": 9, "minute": 45}
